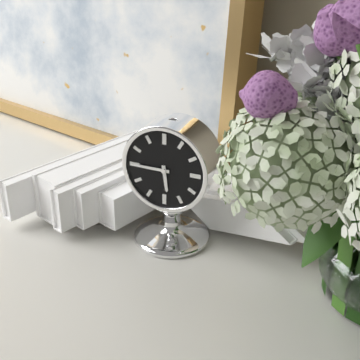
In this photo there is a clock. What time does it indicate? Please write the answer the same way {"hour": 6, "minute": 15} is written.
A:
{"hour": 5, "minute": 45}
